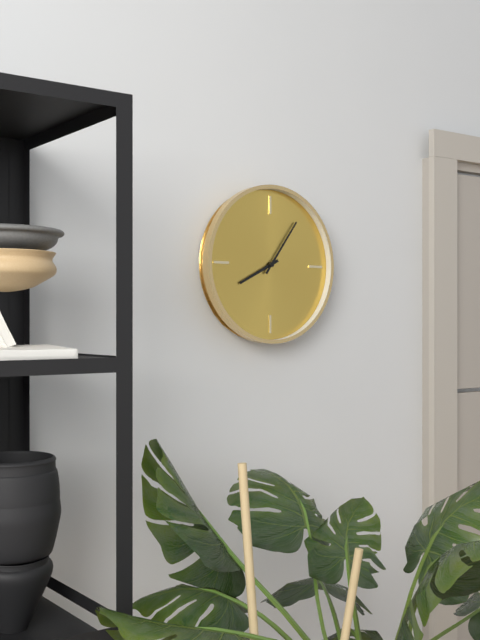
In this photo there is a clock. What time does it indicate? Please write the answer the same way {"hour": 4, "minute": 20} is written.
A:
{"hour": 8, "minute": 6}
